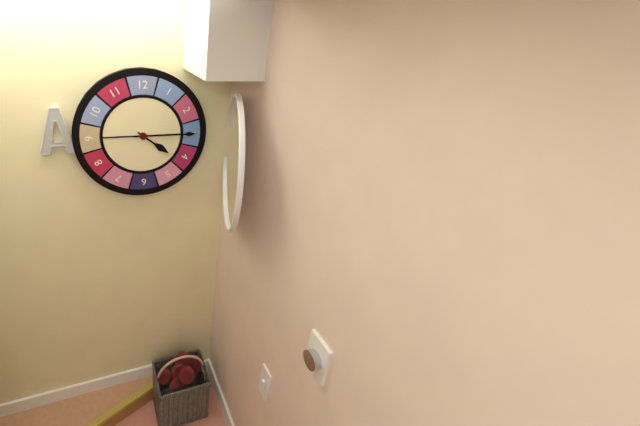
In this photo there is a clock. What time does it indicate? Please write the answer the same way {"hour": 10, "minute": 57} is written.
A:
{"hour": 4, "minute": 15}
